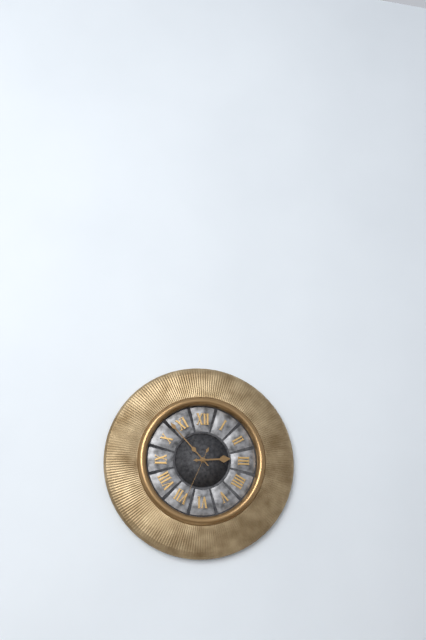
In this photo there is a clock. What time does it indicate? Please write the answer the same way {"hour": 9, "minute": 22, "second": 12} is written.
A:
{"hour": 2, "minute": 53, "second": 34}
